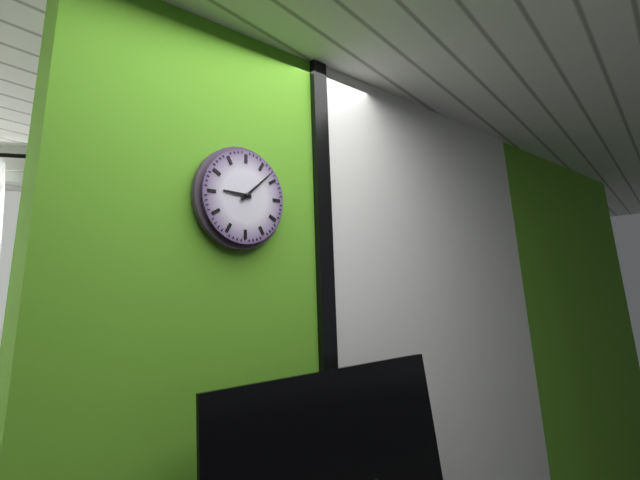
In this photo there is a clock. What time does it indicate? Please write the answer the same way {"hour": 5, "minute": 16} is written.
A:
{"hour": 9, "minute": 8}
